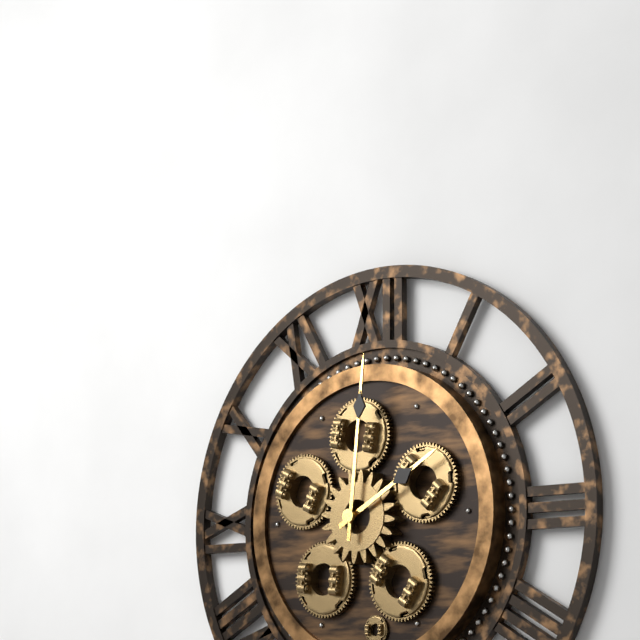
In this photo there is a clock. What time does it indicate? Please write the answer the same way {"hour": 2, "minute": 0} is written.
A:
{"hour": 2, "minute": 1}
